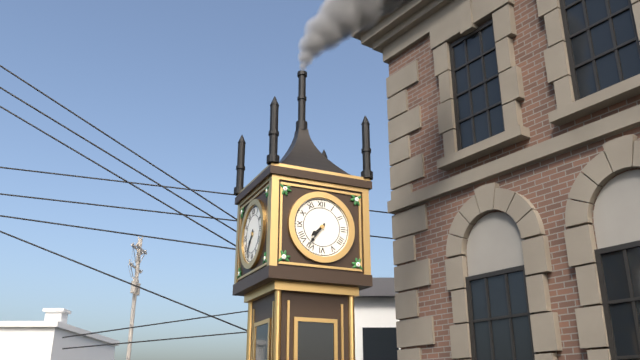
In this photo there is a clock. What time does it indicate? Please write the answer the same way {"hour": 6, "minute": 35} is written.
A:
{"hour": 7, "minute": 36}
